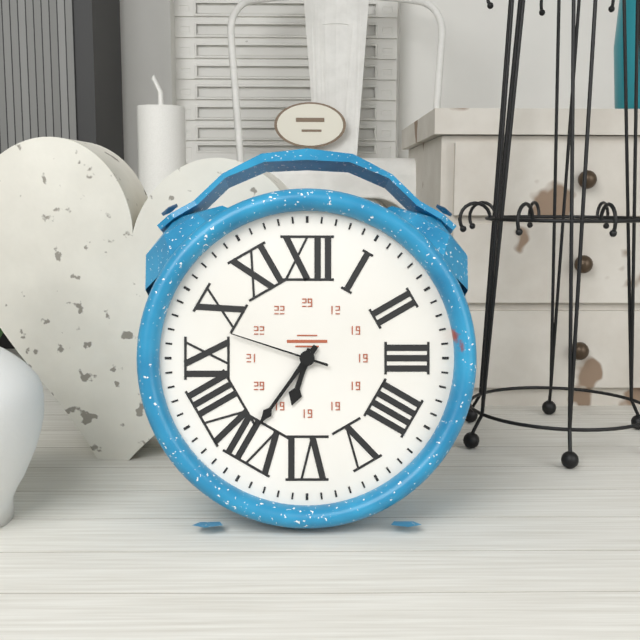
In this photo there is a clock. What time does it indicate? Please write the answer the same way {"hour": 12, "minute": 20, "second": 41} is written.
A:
{"hour": 6, "minute": 36, "second": 48}
